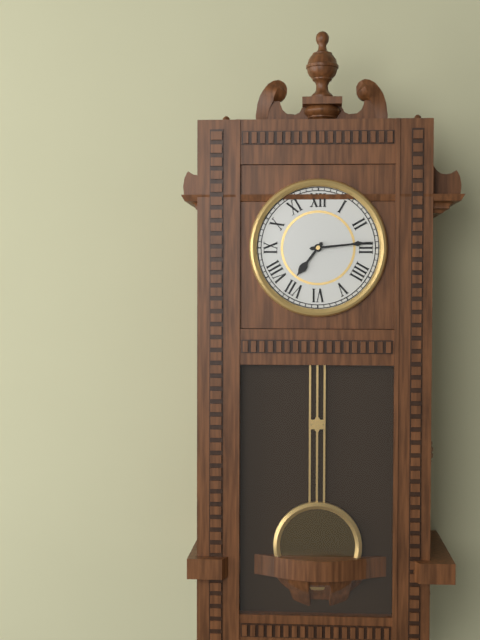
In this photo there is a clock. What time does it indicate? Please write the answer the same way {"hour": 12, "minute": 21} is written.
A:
{"hour": 7, "minute": 14}
